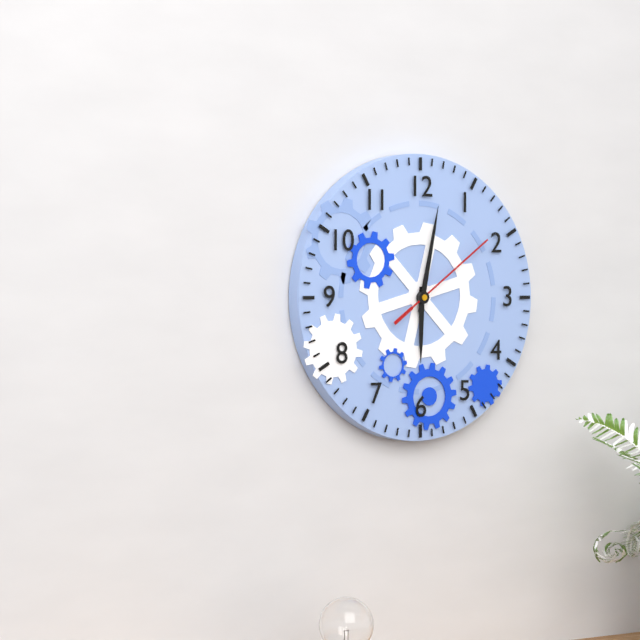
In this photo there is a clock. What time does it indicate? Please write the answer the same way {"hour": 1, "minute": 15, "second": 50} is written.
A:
{"hour": 6, "minute": 2, "second": 9}
